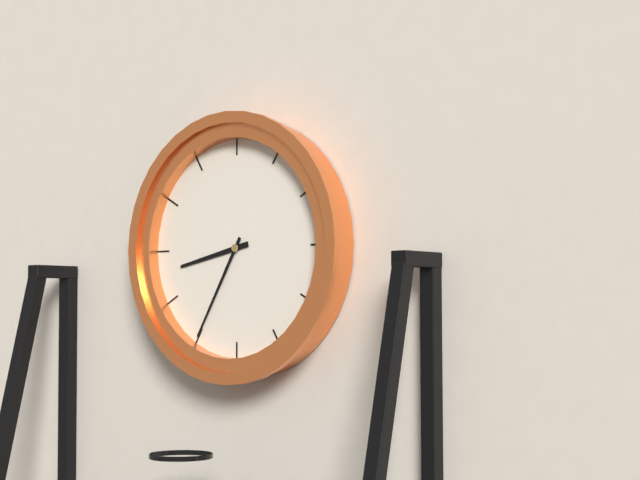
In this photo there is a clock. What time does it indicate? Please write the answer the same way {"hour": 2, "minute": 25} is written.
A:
{"hour": 8, "minute": 35}
